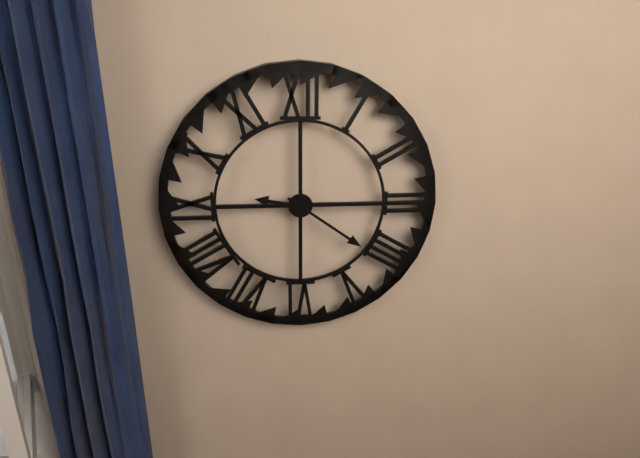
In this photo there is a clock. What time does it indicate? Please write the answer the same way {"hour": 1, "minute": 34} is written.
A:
{"hour": 9, "minute": 21}
